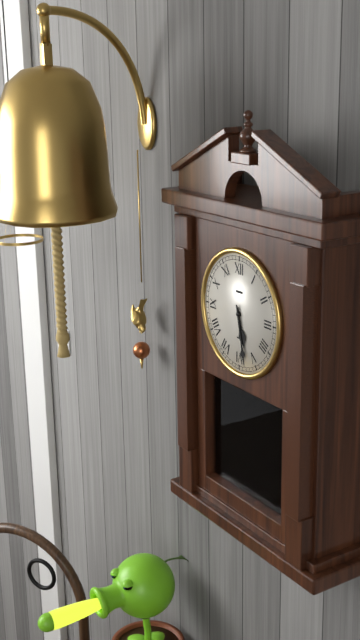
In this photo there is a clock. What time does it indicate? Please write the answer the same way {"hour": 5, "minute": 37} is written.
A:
{"hour": 5, "minute": 28}
